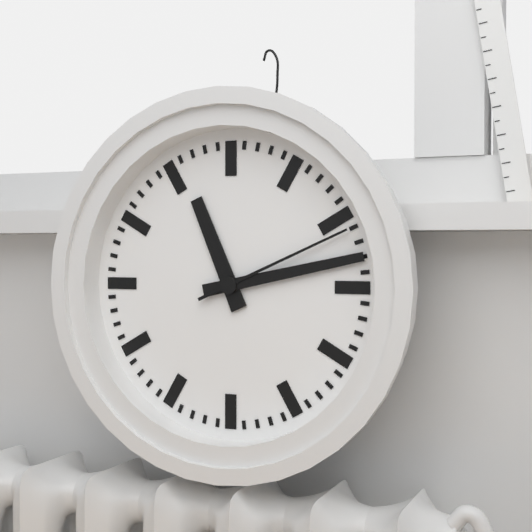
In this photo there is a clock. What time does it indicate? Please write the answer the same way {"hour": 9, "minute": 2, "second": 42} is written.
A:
{"hour": 11, "minute": 13, "second": 11}
